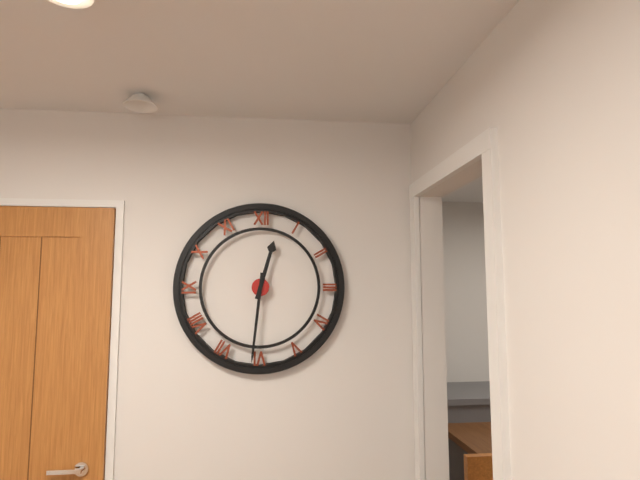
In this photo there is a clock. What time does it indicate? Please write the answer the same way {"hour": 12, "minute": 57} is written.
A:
{"hour": 12, "minute": 31}
